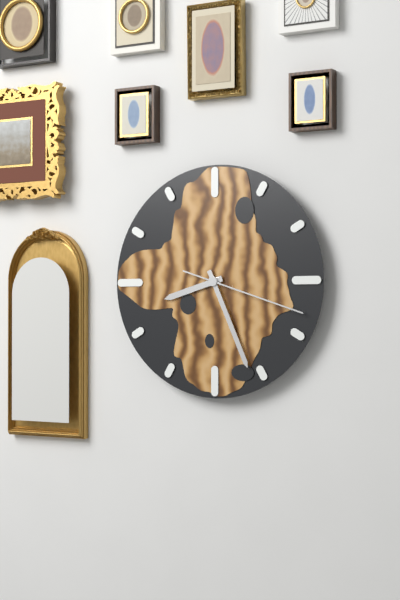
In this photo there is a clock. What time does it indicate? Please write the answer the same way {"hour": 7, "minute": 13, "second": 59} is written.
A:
{"hour": 8, "minute": 26, "second": 18}
